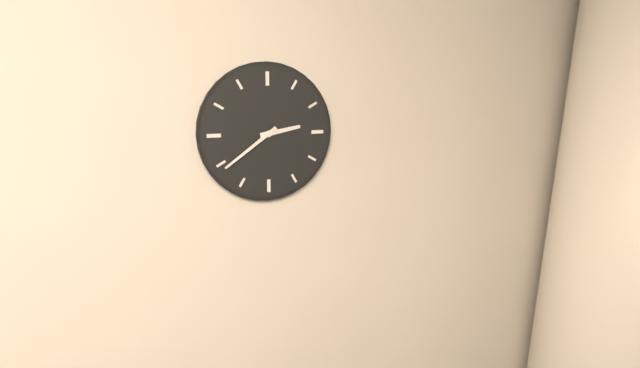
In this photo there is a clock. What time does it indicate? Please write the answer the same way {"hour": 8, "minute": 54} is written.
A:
{"hour": 2, "minute": 39}
